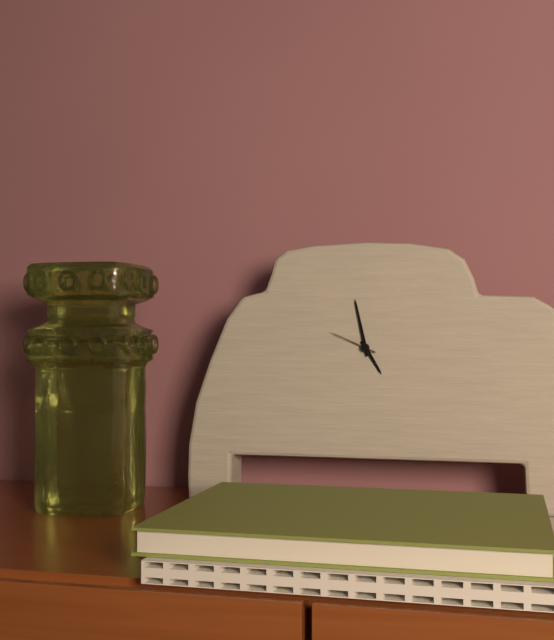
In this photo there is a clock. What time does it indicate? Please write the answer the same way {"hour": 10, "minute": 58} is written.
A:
{"hour": 4, "minute": 58}
